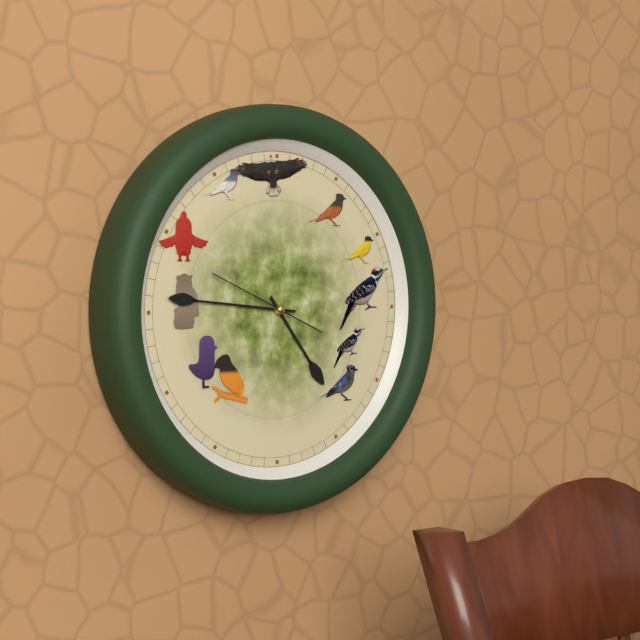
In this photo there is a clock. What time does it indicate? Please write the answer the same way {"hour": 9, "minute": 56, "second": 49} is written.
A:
{"hour": 4, "minute": 46, "second": 49}
